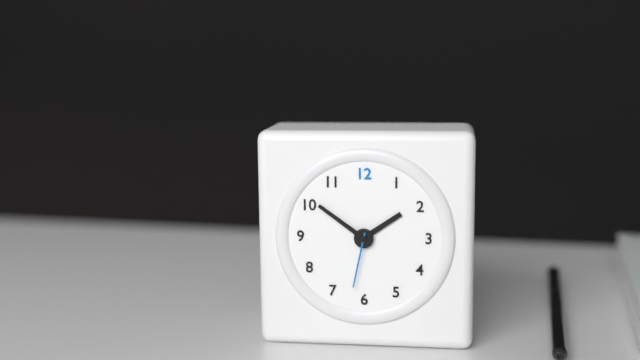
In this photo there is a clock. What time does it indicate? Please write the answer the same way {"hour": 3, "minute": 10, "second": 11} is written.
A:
{"hour": 1, "minute": 51, "second": 32}
